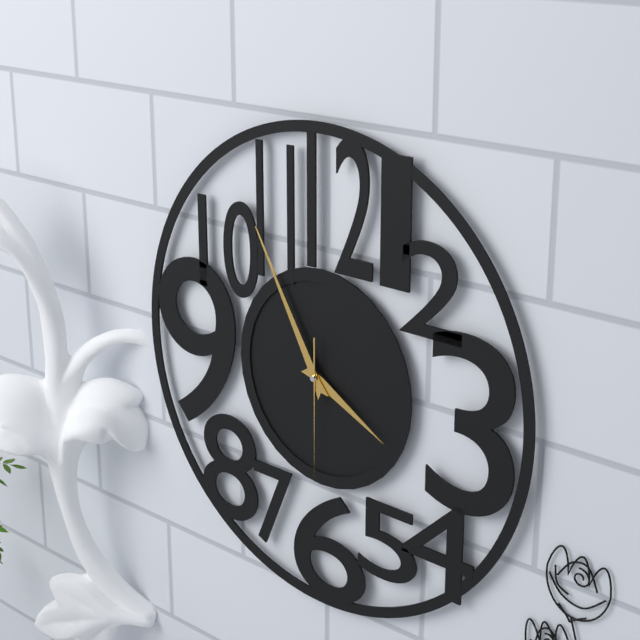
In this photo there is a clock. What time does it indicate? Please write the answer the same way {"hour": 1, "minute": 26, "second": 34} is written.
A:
{"hour": 3, "minute": 55, "second": 30}
